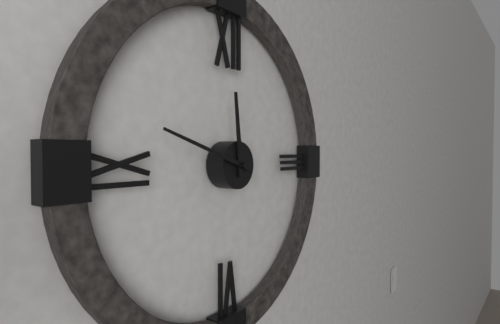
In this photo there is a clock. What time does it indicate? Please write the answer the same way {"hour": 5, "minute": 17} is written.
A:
{"hour": 11, "minute": 48}
